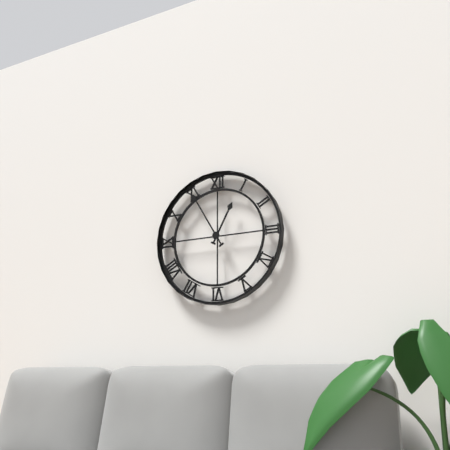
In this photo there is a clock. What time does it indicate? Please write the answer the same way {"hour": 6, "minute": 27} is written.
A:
{"hour": 12, "minute": 55}
